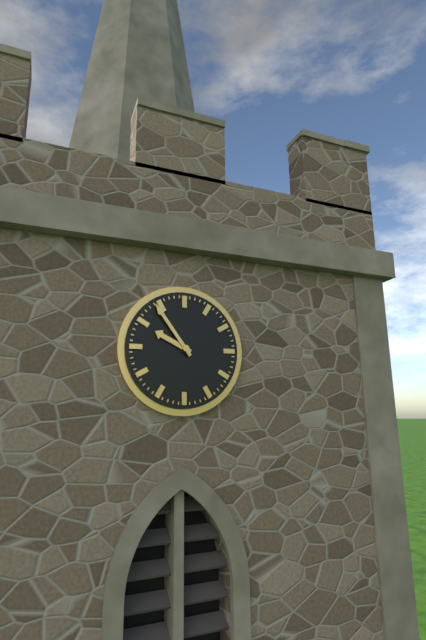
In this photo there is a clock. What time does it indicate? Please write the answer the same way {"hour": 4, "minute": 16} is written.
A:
{"hour": 9, "minute": 54}
